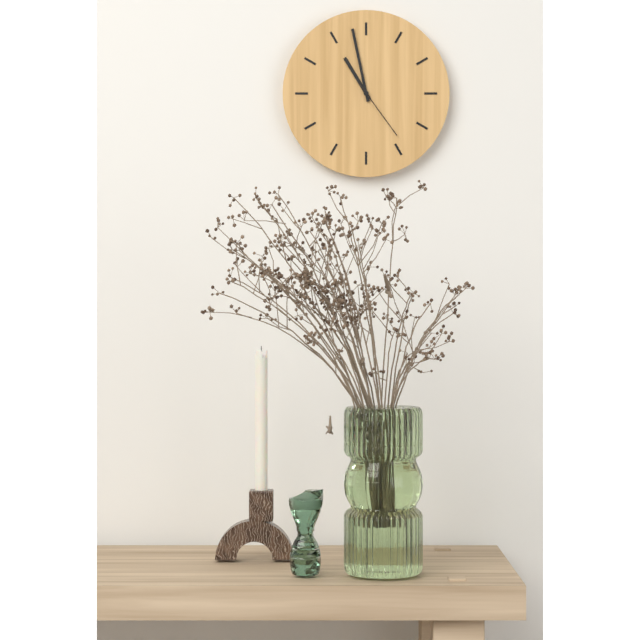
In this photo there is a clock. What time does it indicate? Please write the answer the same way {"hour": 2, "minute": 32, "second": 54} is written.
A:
{"hour": 10, "minute": 58, "second": 24}
